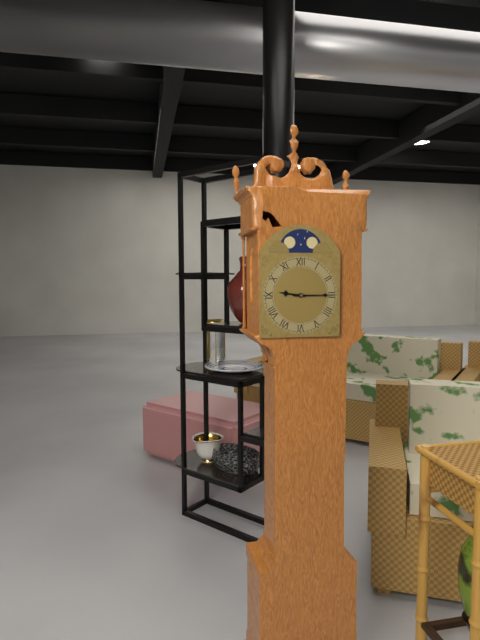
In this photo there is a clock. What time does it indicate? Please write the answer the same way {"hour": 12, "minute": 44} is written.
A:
{"hour": 9, "minute": 15}
